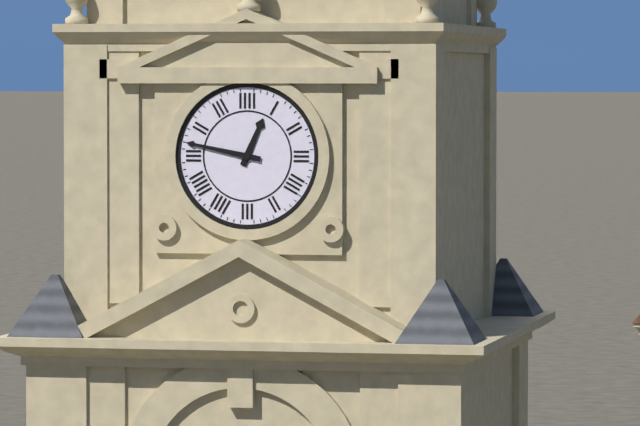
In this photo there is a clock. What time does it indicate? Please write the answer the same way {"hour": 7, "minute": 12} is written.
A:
{"hour": 12, "minute": 47}
